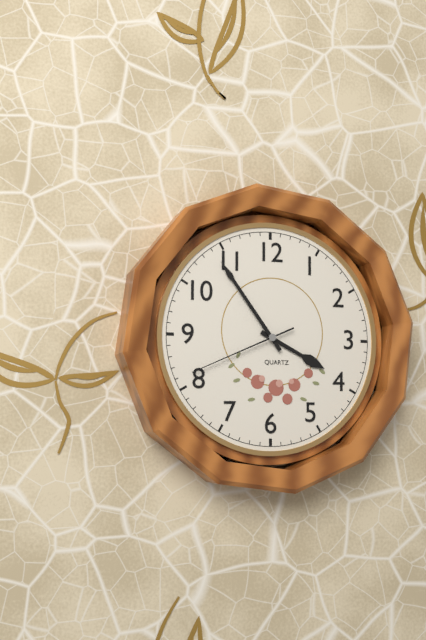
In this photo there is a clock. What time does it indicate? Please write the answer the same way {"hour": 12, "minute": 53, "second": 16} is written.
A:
{"hour": 3, "minute": 54, "second": 41}
